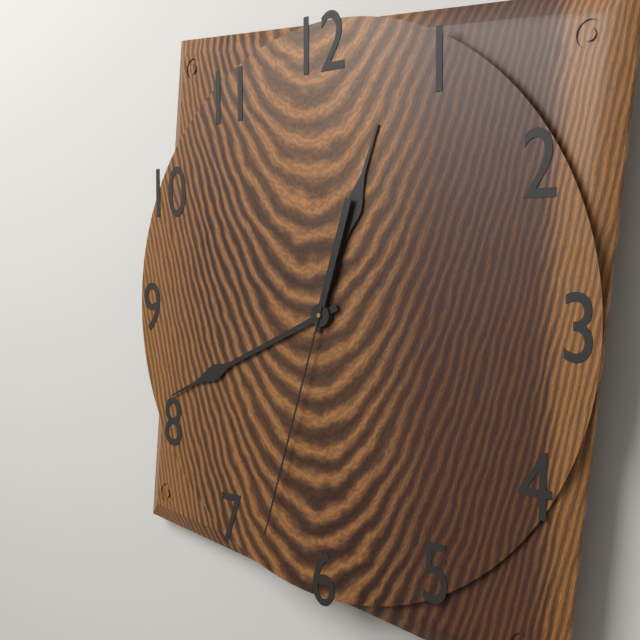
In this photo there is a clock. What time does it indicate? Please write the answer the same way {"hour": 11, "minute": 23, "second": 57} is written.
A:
{"hour": 12, "minute": 41, "second": 33}
